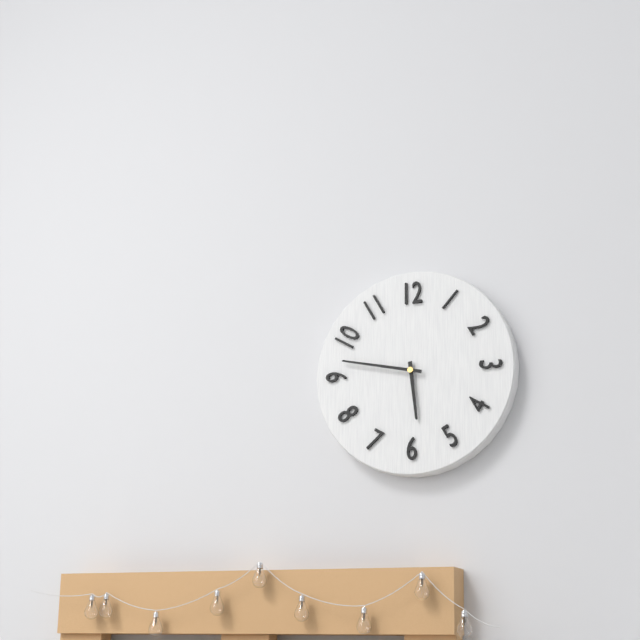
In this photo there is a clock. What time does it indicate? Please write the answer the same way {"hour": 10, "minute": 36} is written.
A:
{"hour": 5, "minute": 47}
